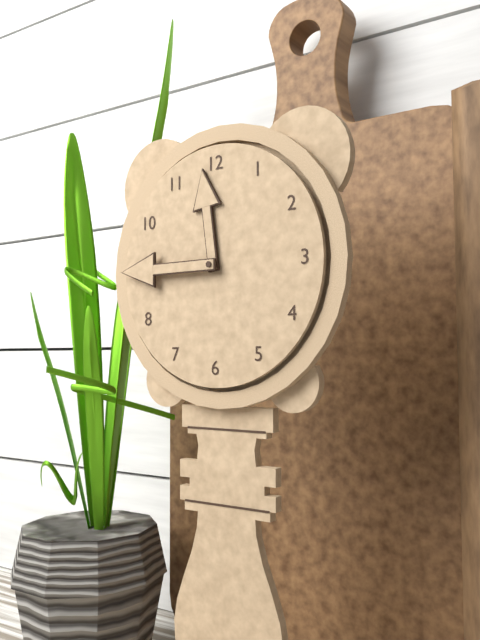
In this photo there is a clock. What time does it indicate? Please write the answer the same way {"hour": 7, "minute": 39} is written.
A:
{"hour": 11, "minute": 45}
